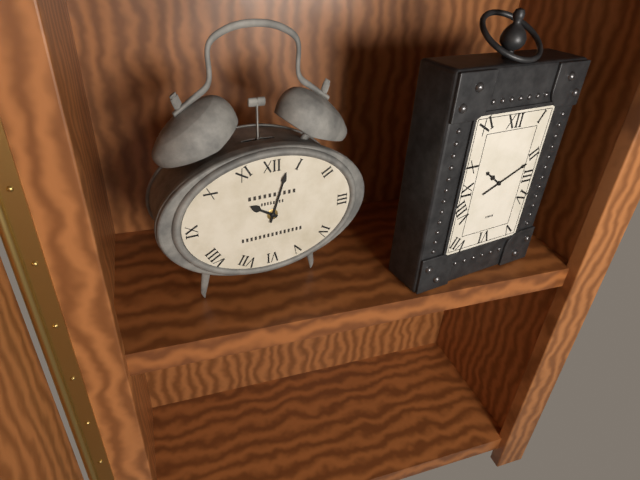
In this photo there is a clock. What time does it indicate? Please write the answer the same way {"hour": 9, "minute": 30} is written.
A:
{"hour": 10, "minute": 3}
